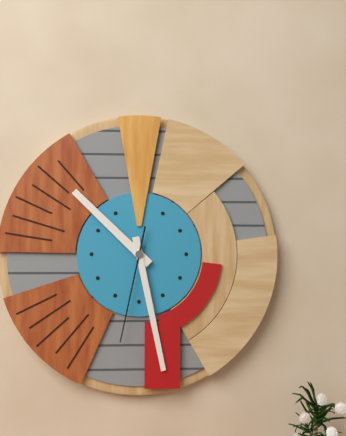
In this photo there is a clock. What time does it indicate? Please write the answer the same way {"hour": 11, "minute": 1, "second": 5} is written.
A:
{"hour": 10, "minute": 28, "second": 32}
